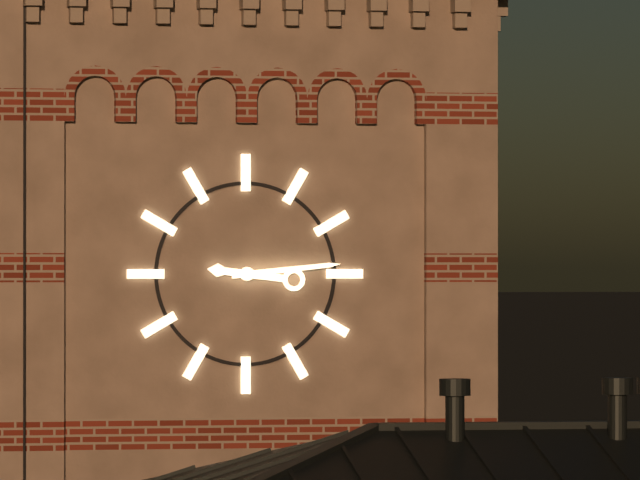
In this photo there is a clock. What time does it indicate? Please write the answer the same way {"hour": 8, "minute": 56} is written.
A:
{"hour": 9, "minute": 14}
